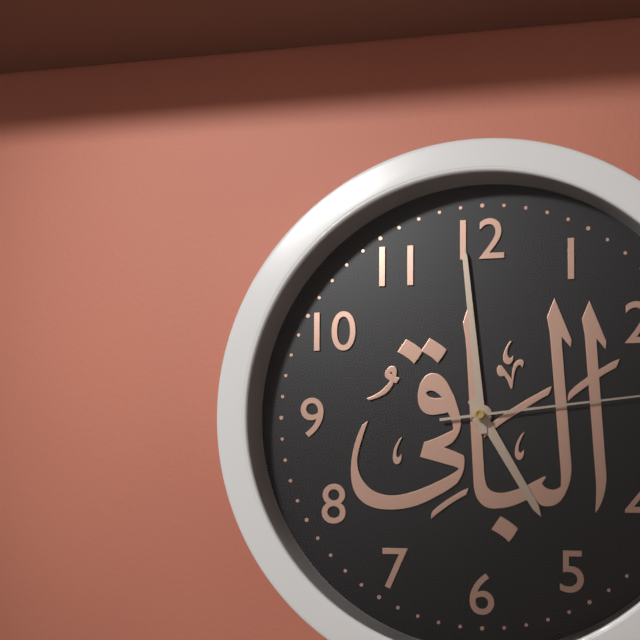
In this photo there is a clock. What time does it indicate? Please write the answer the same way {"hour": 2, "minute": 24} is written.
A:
{"hour": 4, "minute": 59}
